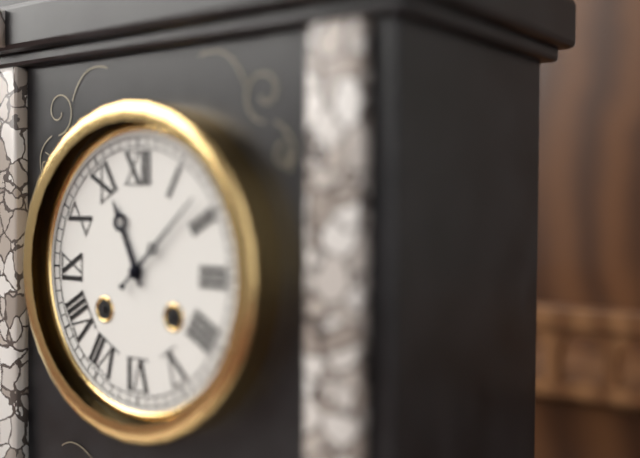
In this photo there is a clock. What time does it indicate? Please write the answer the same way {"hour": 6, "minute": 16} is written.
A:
{"hour": 11, "minute": 8}
